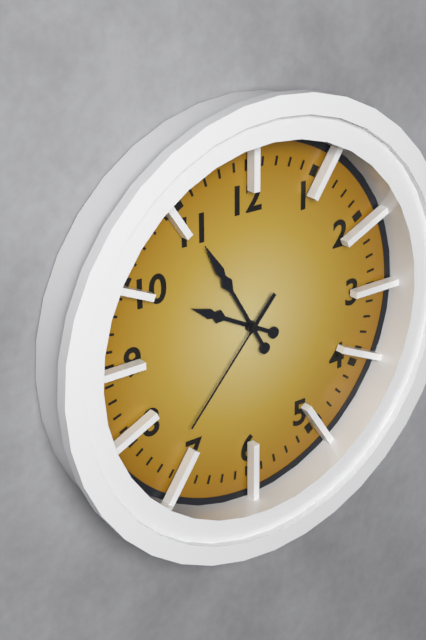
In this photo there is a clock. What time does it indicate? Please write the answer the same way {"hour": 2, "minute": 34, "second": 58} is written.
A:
{"hour": 9, "minute": 55, "second": 37}
